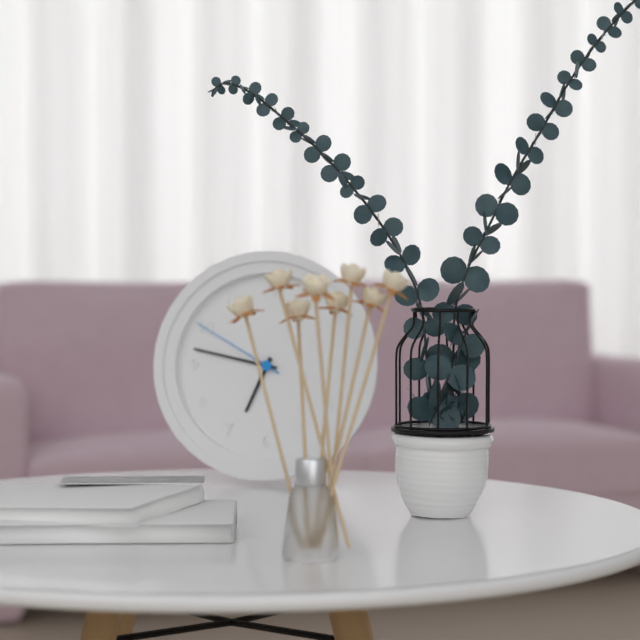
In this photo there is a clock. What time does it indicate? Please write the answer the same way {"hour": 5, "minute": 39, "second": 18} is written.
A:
{"hour": 6, "minute": 47, "second": 50}
